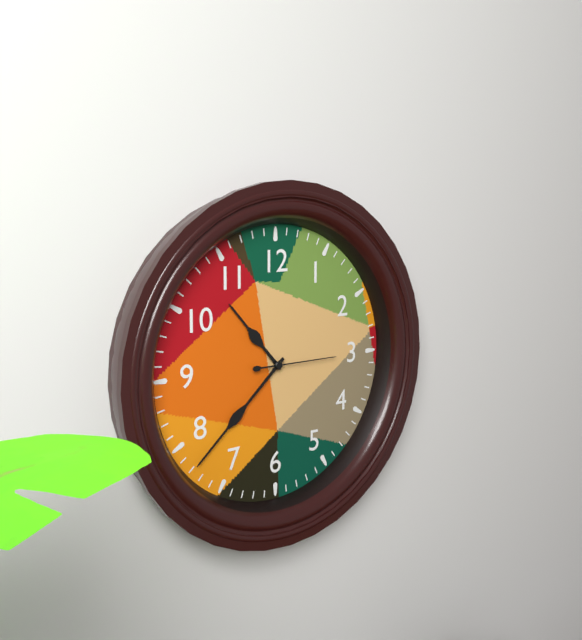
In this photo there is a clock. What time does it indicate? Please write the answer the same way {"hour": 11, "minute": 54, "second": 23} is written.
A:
{"hour": 10, "minute": 38, "second": 15}
